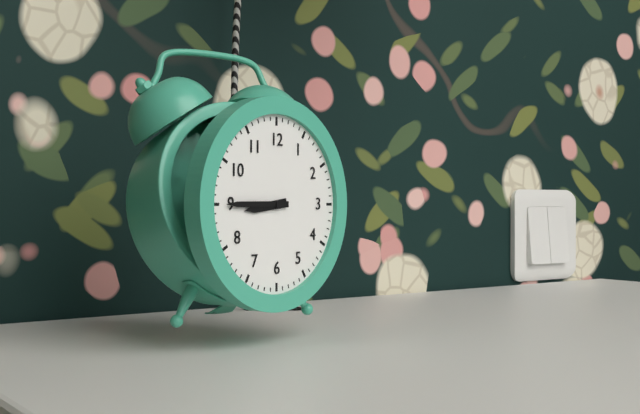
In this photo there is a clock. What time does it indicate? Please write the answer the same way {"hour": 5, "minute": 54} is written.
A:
{"hour": 8, "minute": 45}
